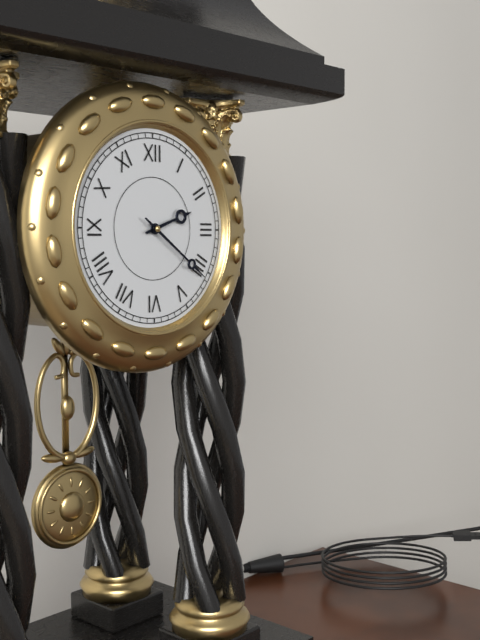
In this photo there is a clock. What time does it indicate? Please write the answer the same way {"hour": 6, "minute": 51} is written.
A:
{"hour": 2, "minute": 21}
